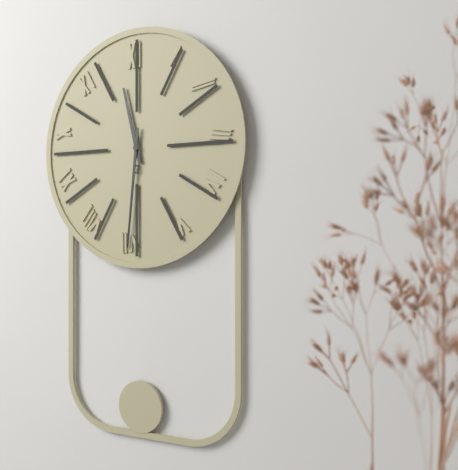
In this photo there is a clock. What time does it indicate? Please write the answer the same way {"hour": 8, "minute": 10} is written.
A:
{"hour": 11, "minute": 31}
